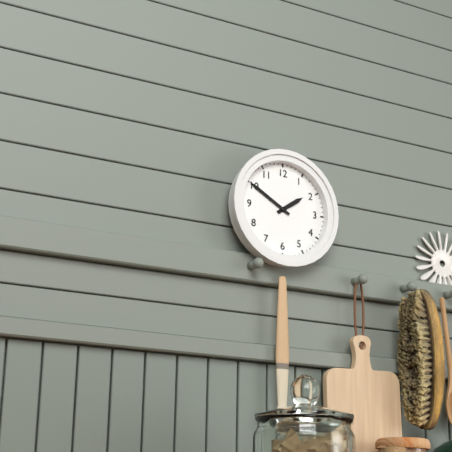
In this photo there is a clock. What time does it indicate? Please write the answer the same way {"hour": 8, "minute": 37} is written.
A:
{"hour": 1, "minute": 50}
